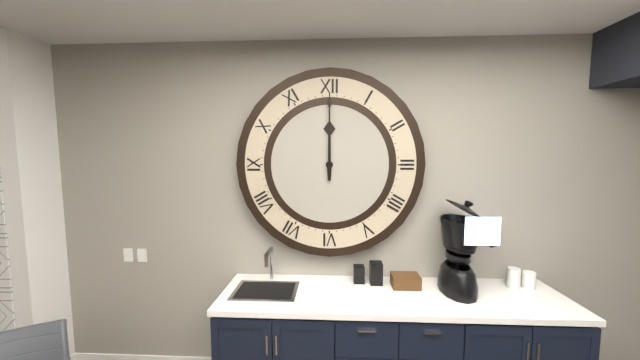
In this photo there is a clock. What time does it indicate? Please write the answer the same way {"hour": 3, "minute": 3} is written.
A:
{"hour": 12, "minute": 0}
